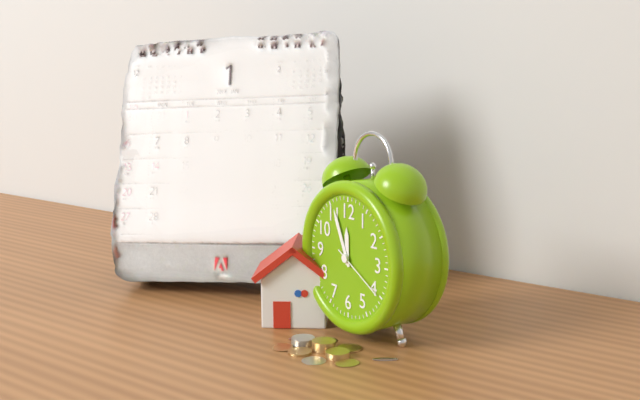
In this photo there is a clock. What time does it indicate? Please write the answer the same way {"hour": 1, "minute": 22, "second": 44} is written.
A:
{"hour": 11, "minute": 56, "second": 20}
